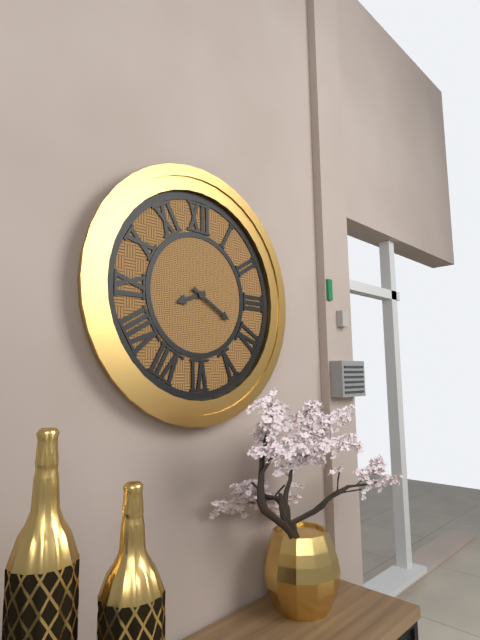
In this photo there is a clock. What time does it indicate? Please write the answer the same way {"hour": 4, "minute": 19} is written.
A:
{"hour": 8, "minute": 20}
